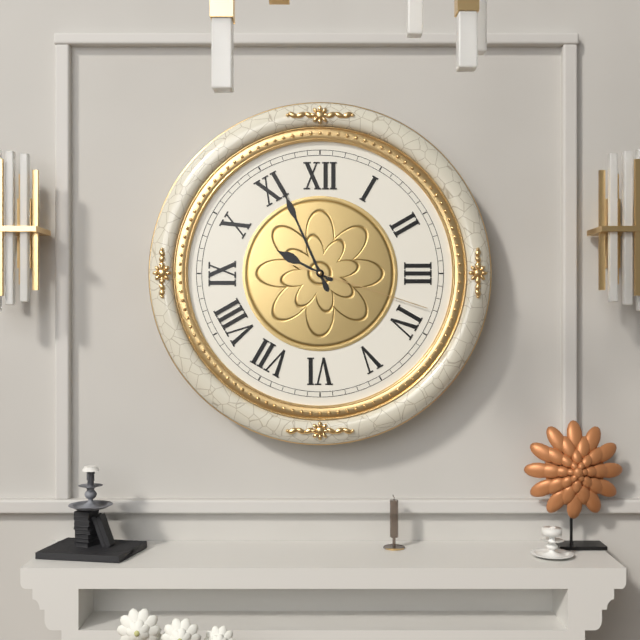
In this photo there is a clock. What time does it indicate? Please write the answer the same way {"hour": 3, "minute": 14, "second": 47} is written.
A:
{"hour": 9, "minute": 56, "second": 18}
